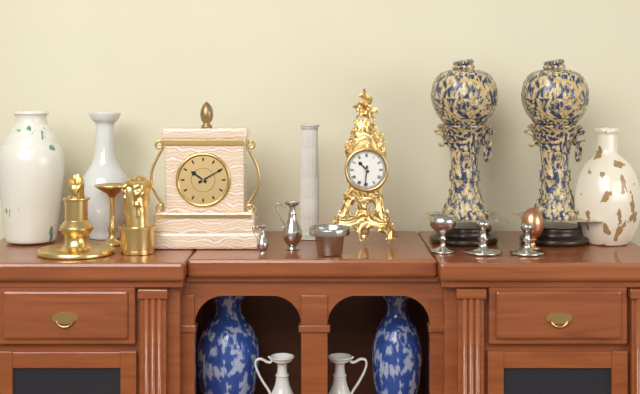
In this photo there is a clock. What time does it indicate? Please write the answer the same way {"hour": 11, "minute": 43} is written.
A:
{"hour": 10, "minute": 31}
